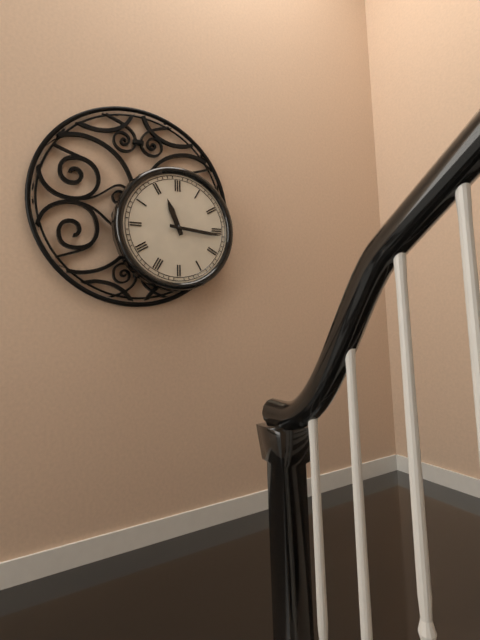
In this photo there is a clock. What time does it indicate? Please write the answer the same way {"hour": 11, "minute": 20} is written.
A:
{"hour": 11, "minute": 16}
